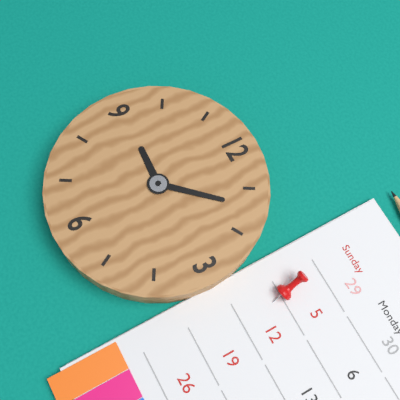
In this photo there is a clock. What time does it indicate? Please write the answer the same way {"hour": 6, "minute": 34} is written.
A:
{"hour": 9, "minute": 7}
